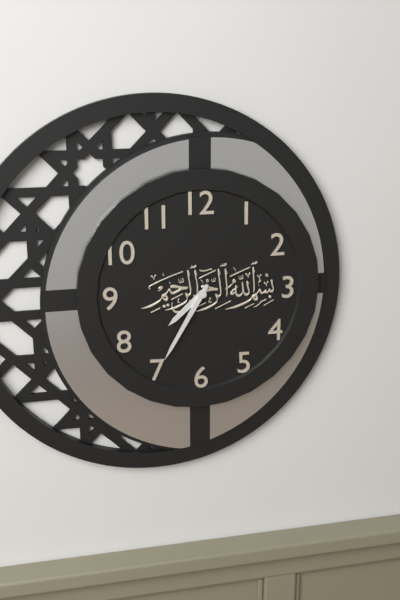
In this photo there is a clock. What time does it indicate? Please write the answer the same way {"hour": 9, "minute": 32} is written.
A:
{"hour": 7, "minute": 35}
